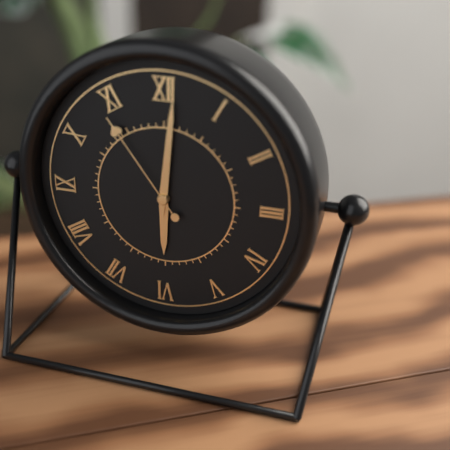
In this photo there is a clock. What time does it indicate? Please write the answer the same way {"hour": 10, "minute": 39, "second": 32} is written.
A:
{"hour": 6, "minute": 1, "second": 54}
